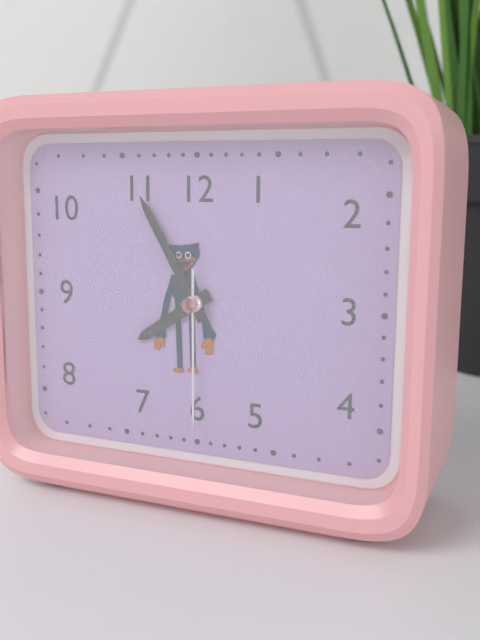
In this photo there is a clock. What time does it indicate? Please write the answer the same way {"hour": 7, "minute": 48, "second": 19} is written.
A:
{"hour": 7, "minute": 55, "second": 30}
